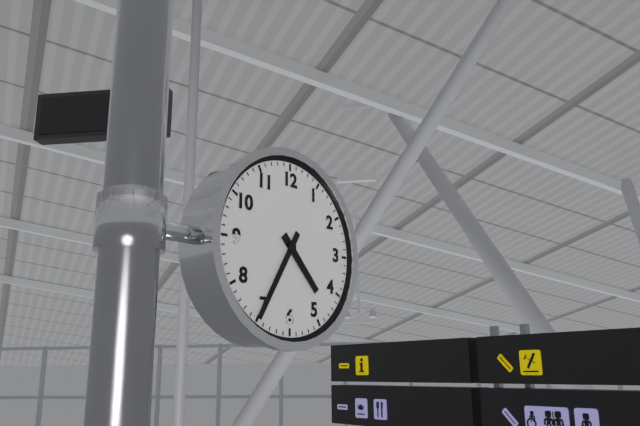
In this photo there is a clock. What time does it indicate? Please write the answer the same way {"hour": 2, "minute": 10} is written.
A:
{"hour": 4, "minute": 35}
